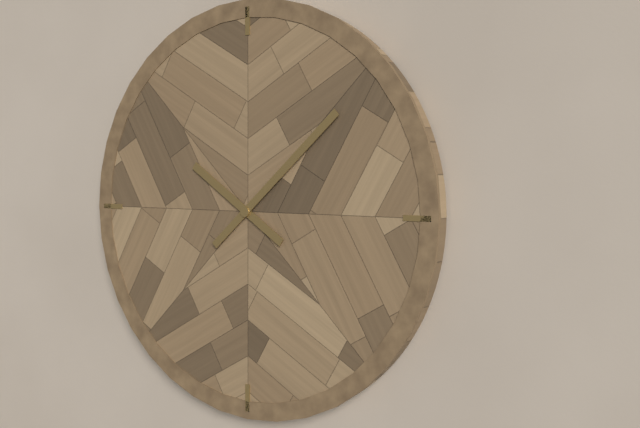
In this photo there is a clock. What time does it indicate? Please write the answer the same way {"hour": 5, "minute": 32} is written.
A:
{"hour": 10, "minute": 8}
